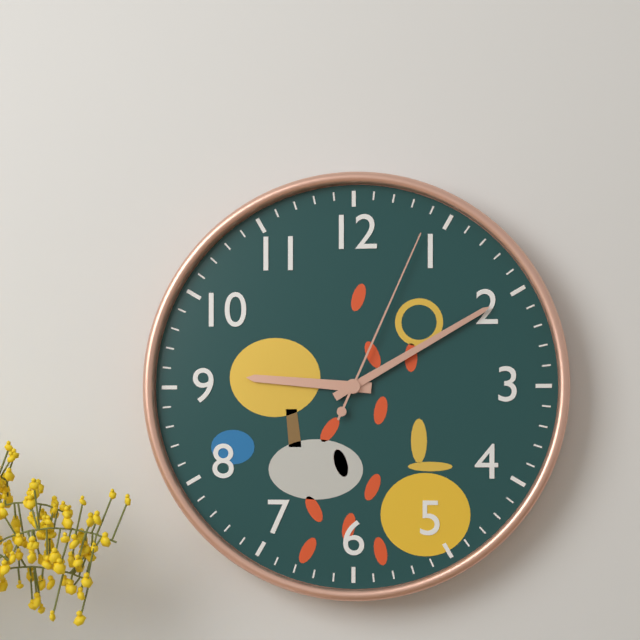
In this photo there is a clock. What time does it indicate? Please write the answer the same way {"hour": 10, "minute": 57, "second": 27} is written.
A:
{"hour": 9, "minute": 10, "second": 4}
